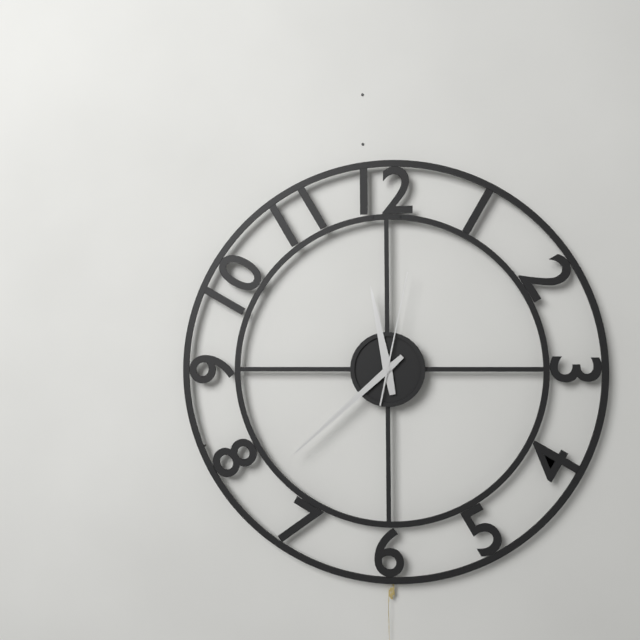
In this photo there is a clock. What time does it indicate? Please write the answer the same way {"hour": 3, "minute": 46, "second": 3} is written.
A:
{"hour": 11, "minute": 38, "second": 2}
